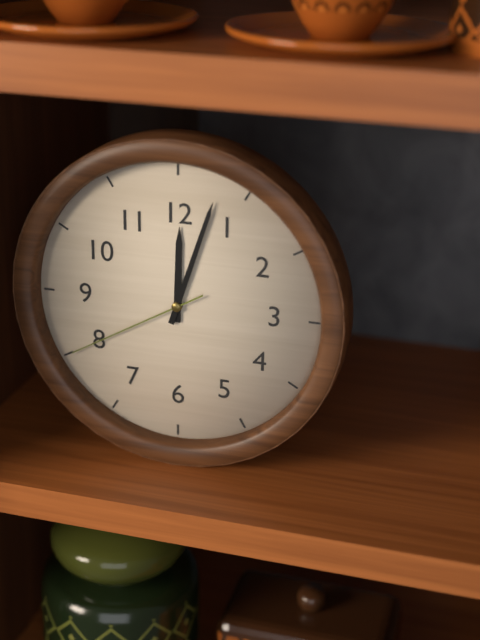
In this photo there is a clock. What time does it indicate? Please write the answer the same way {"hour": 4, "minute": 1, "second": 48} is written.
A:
{"hour": 12, "minute": 3, "second": 40}
